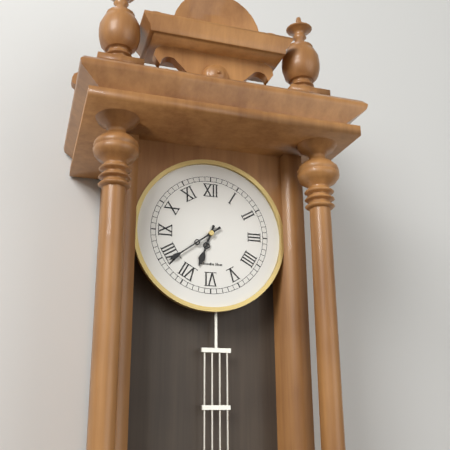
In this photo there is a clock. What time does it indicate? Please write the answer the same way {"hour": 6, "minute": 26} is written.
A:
{"hour": 6, "minute": 39}
